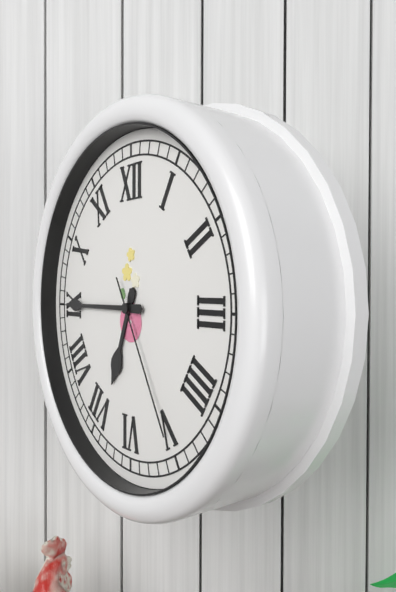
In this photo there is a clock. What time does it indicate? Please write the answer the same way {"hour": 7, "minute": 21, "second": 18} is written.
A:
{"hour": 6, "minute": 45, "second": 25}
